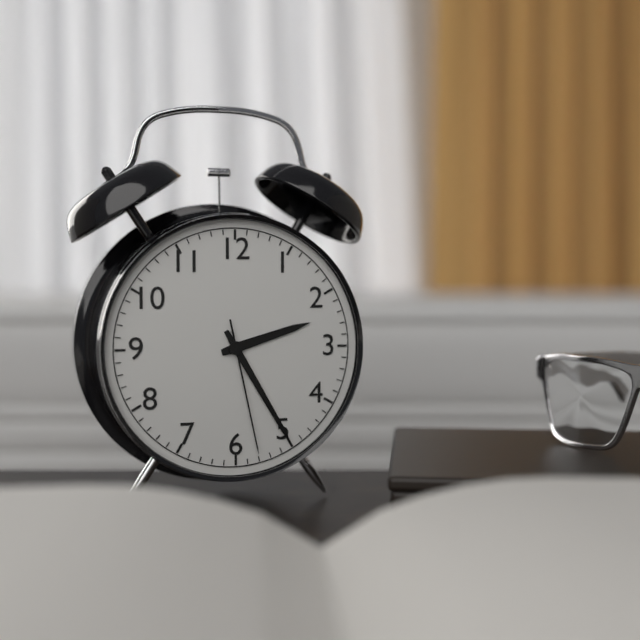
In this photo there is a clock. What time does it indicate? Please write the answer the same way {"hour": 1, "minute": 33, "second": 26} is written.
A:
{"hour": 2, "minute": 25, "second": 28}
